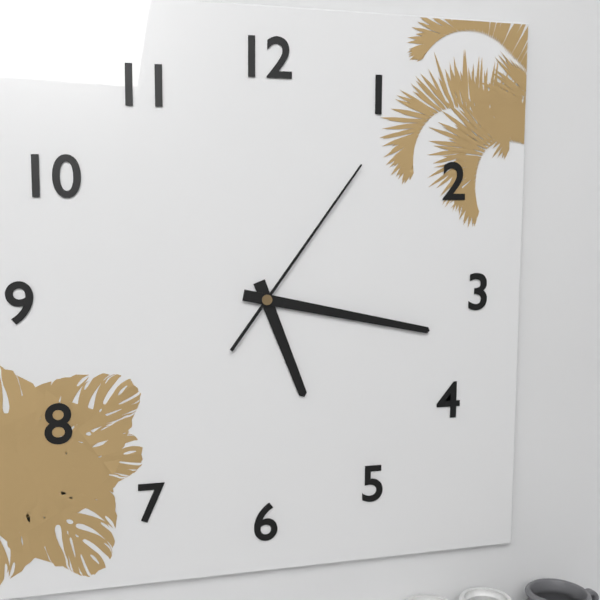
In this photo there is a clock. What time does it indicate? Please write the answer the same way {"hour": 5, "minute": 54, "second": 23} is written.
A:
{"hour": 5, "minute": 17, "second": 6}
